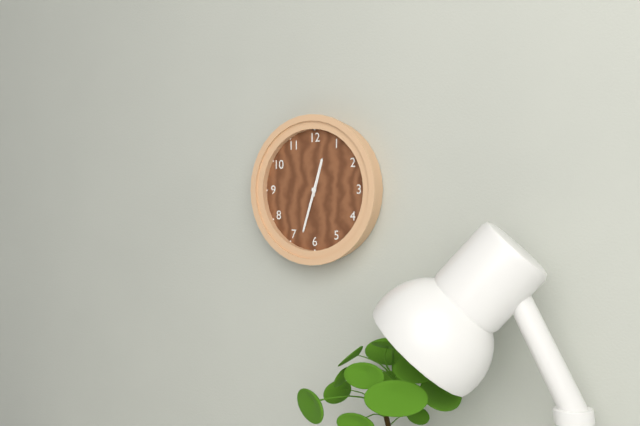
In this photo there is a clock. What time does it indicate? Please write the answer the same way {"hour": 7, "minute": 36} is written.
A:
{"hour": 12, "minute": 33}
